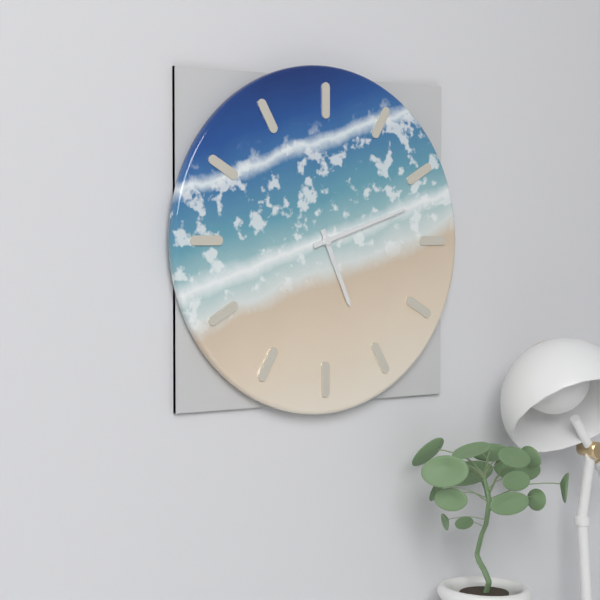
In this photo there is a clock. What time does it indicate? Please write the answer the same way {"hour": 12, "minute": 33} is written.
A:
{"hour": 5, "minute": 12}
